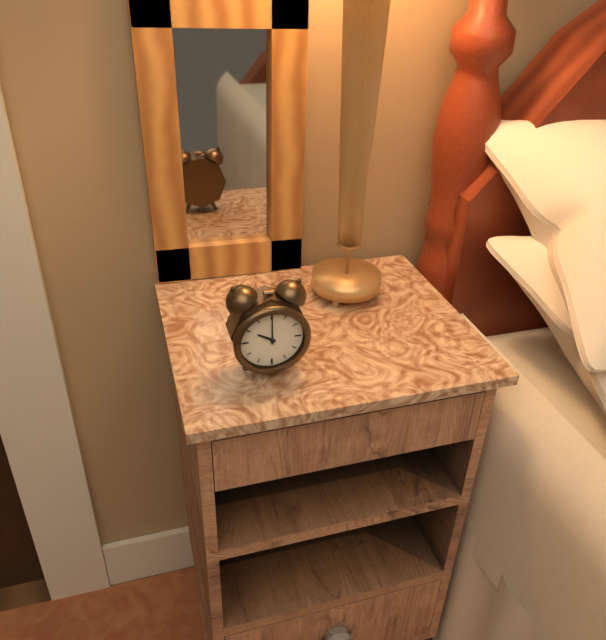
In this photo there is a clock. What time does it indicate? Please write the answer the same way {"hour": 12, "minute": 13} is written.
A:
{"hour": 10, "minute": 0}
